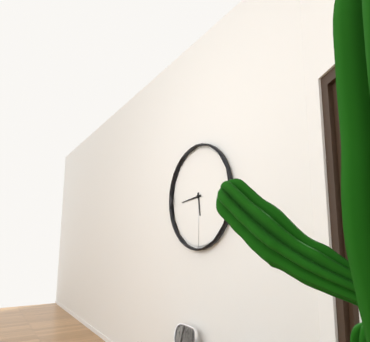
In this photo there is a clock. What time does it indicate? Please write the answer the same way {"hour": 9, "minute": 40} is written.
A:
{"hour": 5, "minute": 44}
